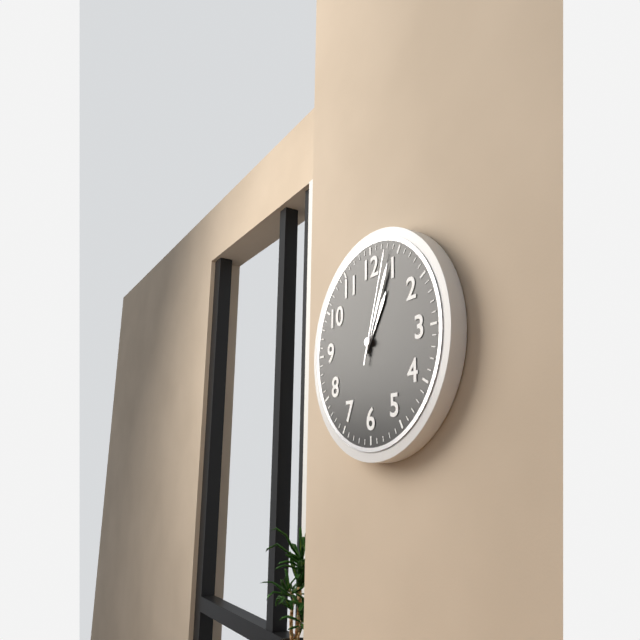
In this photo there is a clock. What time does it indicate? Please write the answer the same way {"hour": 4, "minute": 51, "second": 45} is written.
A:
{"hour": 1, "minute": 4, "second": 3}
